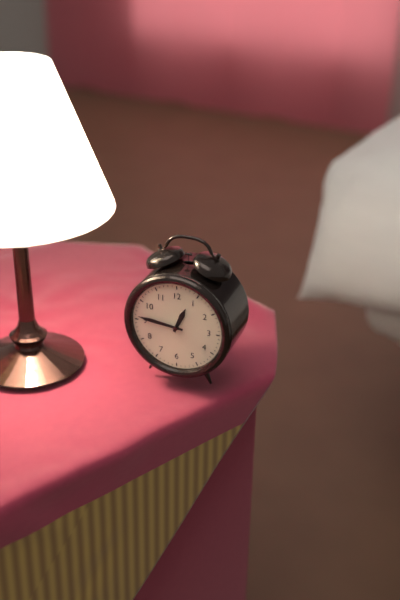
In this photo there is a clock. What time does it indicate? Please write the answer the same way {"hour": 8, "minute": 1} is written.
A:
{"hour": 12, "minute": 46}
